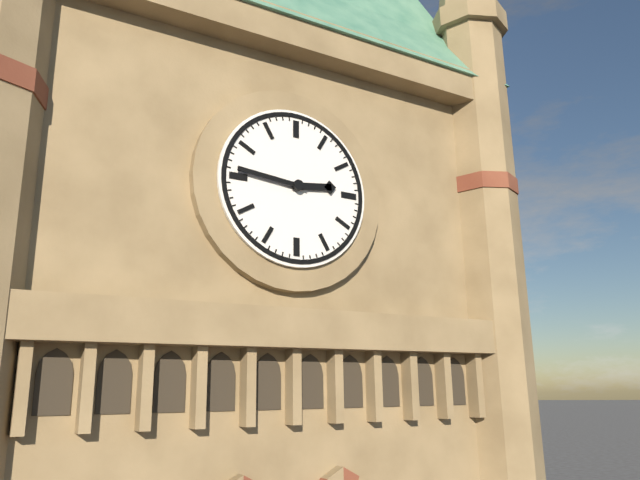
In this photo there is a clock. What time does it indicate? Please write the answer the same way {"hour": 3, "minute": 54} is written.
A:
{"hour": 2, "minute": 46}
